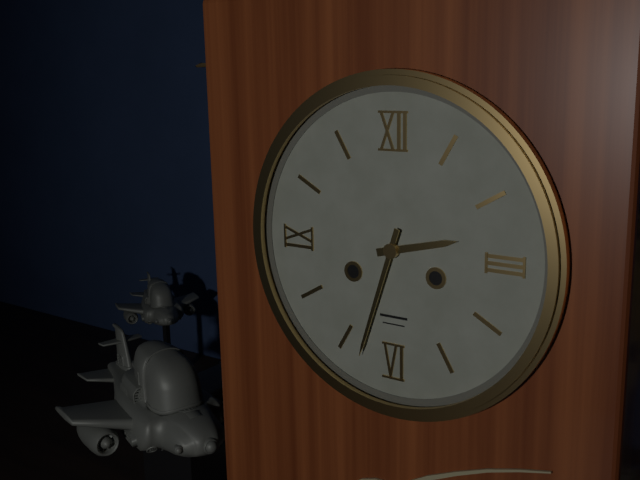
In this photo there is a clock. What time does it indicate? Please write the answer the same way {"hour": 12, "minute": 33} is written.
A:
{"hour": 2, "minute": 33}
